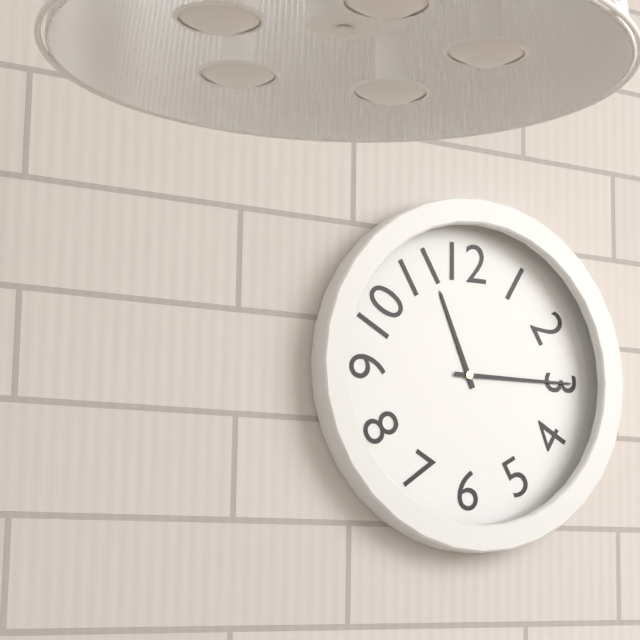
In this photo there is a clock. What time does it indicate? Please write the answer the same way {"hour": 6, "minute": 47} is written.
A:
{"hour": 11, "minute": 15}
